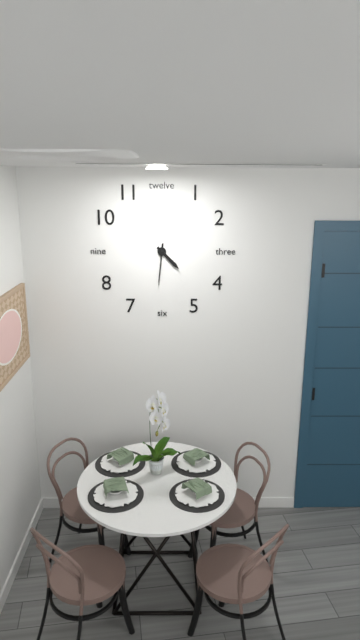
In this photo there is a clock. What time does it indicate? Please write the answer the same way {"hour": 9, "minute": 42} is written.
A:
{"hour": 4, "minute": 31}
